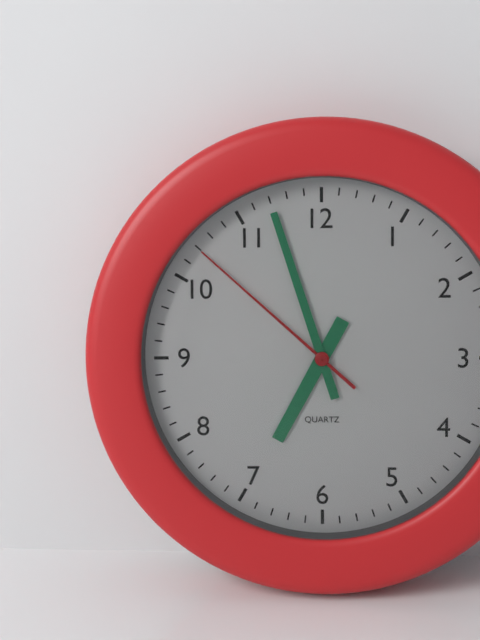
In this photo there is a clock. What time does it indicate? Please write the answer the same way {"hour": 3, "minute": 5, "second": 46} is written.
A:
{"hour": 6, "minute": 57, "second": 52}
